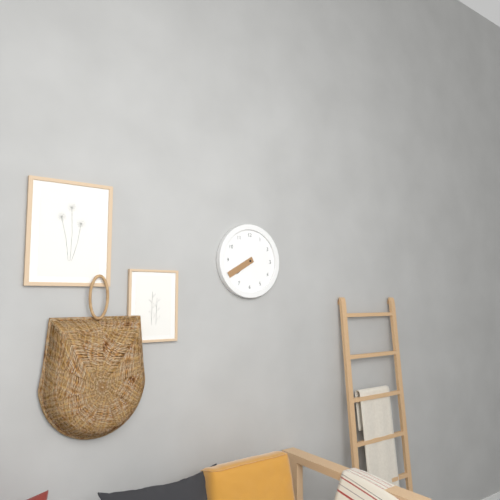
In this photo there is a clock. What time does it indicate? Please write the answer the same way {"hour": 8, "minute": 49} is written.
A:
{"hour": 7, "minute": 40}
